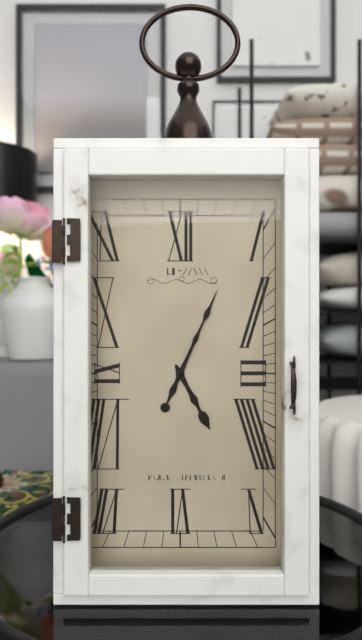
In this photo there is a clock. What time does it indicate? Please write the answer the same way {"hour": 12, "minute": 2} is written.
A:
{"hour": 5, "minute": 4}
